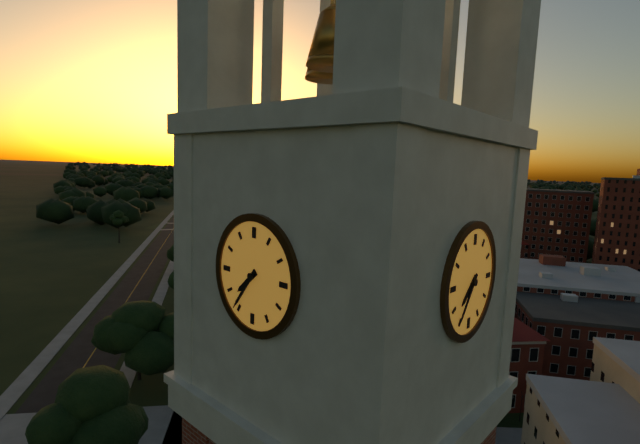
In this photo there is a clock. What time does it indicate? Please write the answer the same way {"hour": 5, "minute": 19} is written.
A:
{"hour": 7, "minute": 36}
